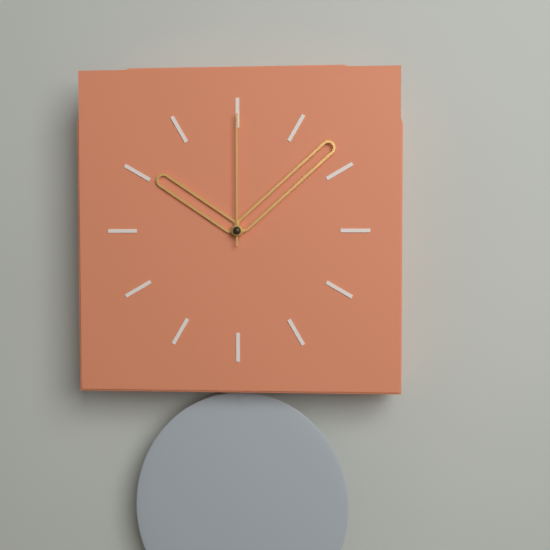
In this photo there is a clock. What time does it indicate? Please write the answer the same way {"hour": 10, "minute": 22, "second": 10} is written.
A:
{"hour": 10, "minute": 8, "second": 0}
